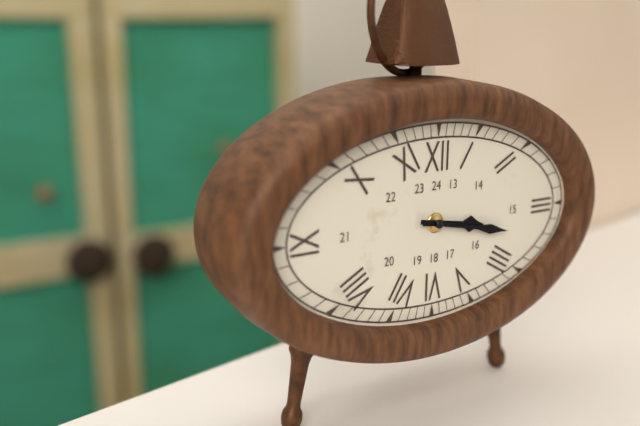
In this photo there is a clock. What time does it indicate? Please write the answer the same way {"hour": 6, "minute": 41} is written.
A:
{"hour": 3, "minute": 17}
